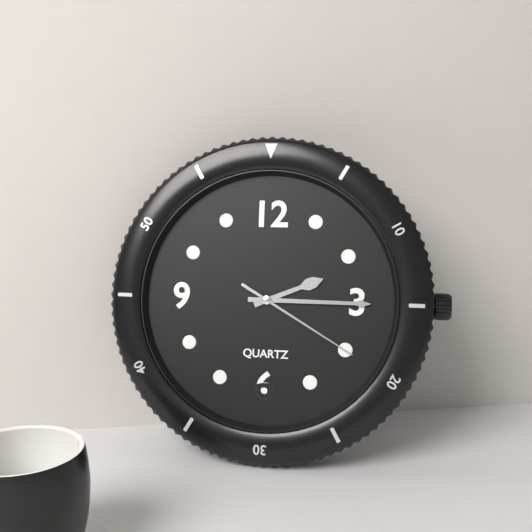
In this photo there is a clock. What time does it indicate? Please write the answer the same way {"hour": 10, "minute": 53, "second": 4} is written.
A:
{"hour": 2, "minute": 15, "second": 20}
